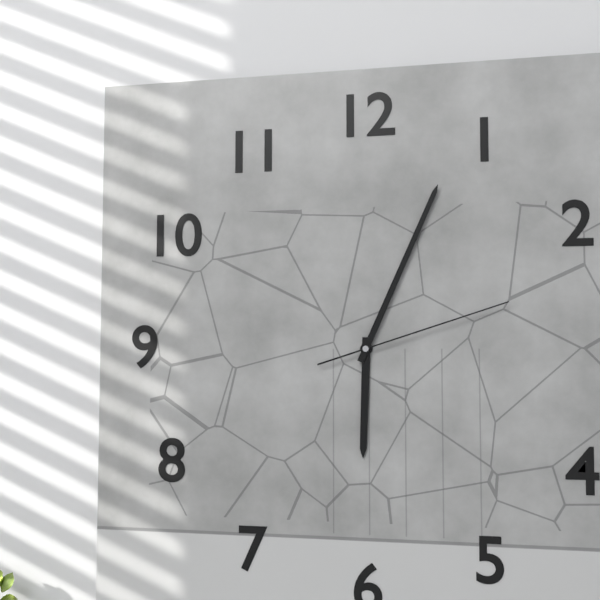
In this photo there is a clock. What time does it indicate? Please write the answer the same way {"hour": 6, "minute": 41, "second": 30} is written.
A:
{"hour": 6, "minute": 4, "second": 12}
